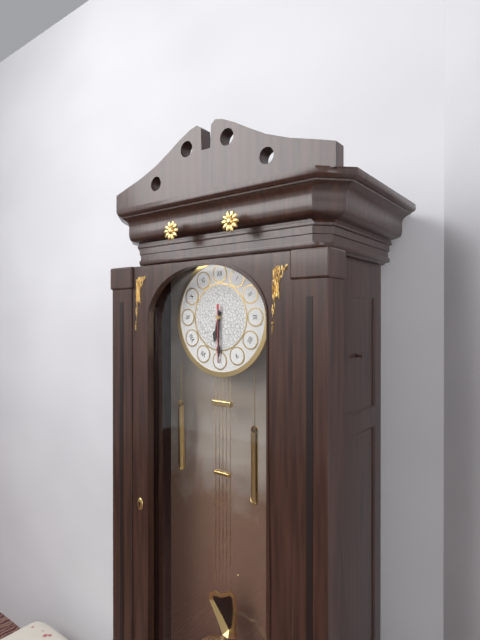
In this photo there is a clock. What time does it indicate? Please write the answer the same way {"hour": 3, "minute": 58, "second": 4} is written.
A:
{"hour": 6, "minute": 30, "second": 30}
